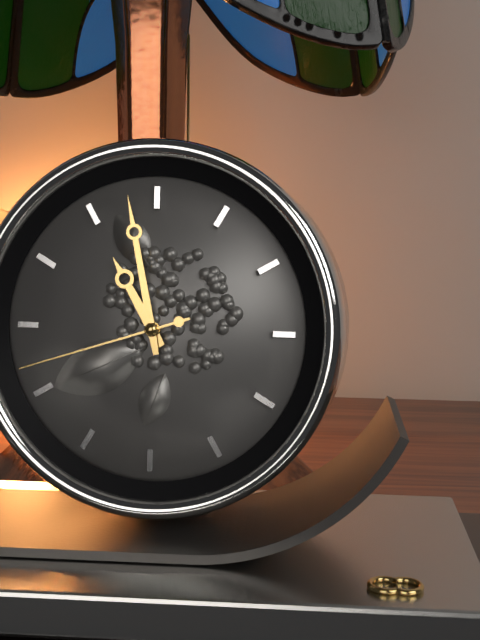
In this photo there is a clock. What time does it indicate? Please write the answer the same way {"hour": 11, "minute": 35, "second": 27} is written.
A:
{"hour": 10, "minute": 58, "second": 42}
